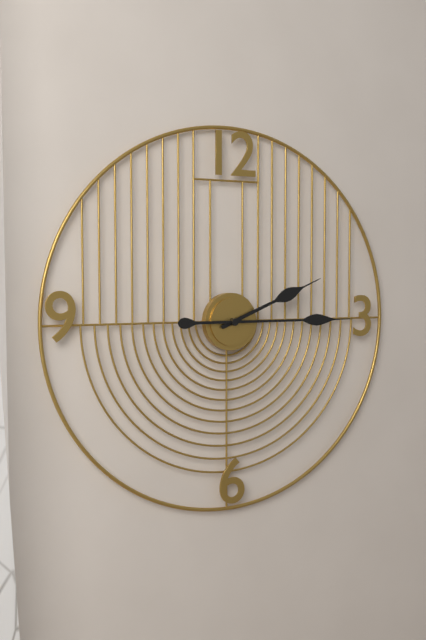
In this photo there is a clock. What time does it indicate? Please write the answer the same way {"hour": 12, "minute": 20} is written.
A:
{"hour": 2, "minute": 15}
